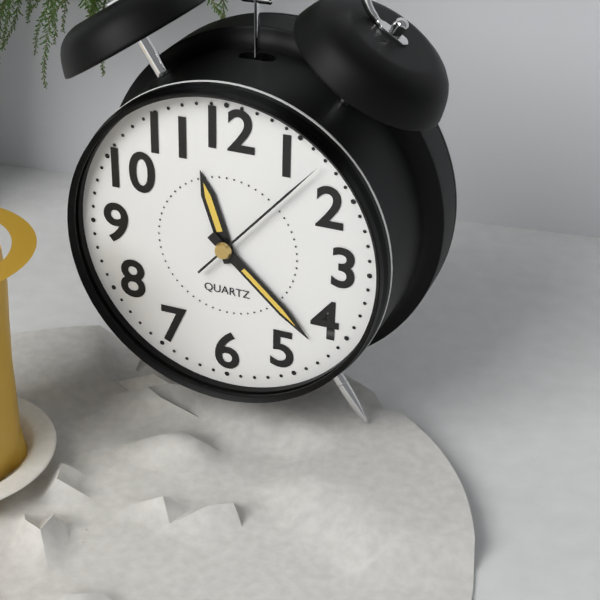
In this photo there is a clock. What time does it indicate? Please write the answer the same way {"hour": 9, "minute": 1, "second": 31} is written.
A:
{"hour": 11, "minute": 22, "second": 7}
